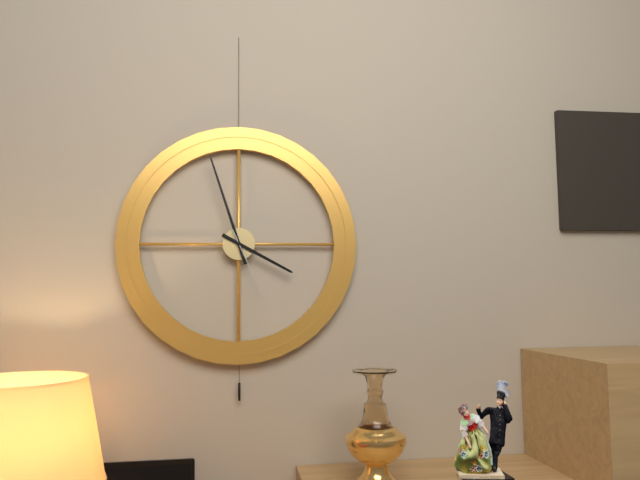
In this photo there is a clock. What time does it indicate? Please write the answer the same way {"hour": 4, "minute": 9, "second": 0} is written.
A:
{"hour": 3, "minute": 57, "second": 26}
